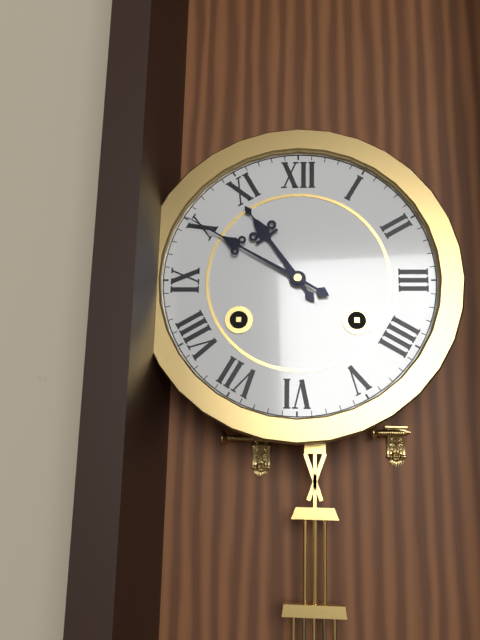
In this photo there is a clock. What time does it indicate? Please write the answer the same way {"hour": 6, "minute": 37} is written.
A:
{"hour": 10, "minute": 50}
